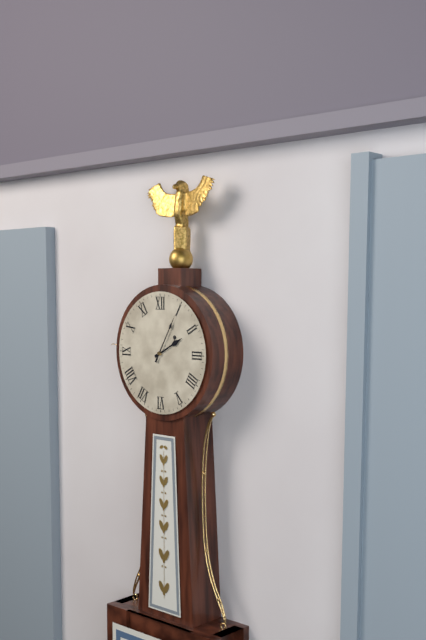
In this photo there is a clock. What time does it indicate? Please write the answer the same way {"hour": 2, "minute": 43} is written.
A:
{"hour": 2, "minute": 5}
